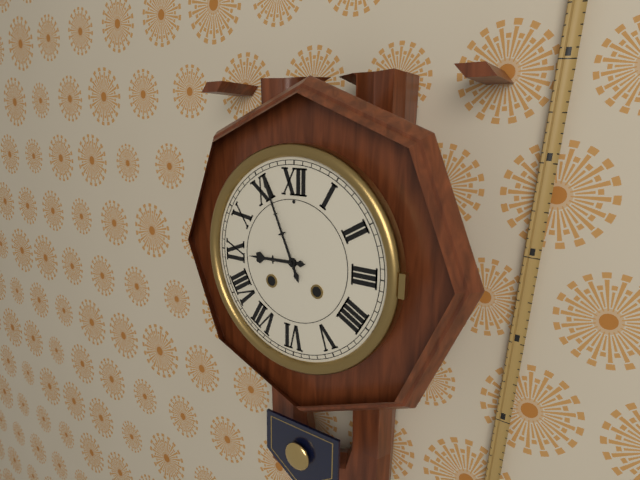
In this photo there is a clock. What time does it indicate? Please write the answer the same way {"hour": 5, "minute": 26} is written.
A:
{"hour": 8, "minute": 56}
